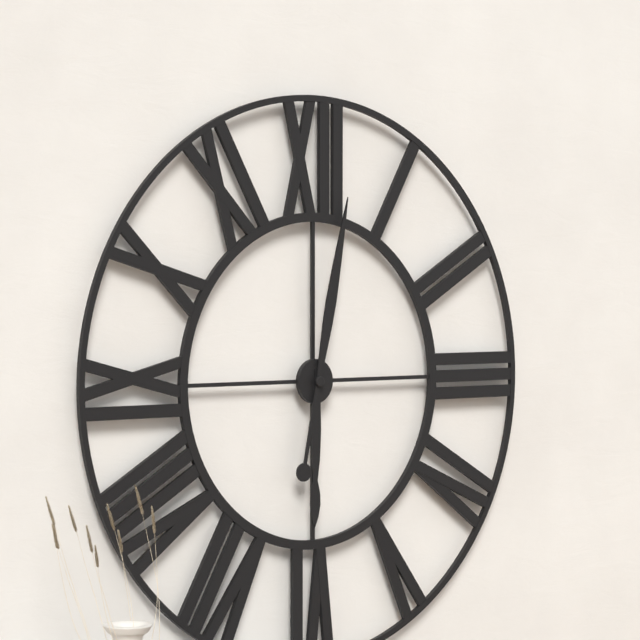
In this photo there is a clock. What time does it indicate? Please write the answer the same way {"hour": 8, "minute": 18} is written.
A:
{"hour": 6, "minute": 2}
